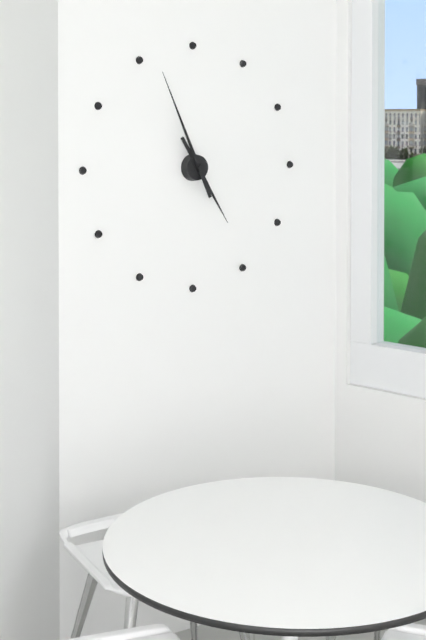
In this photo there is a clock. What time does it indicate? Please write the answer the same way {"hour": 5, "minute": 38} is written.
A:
{"hour": 4, "minute": 56}
